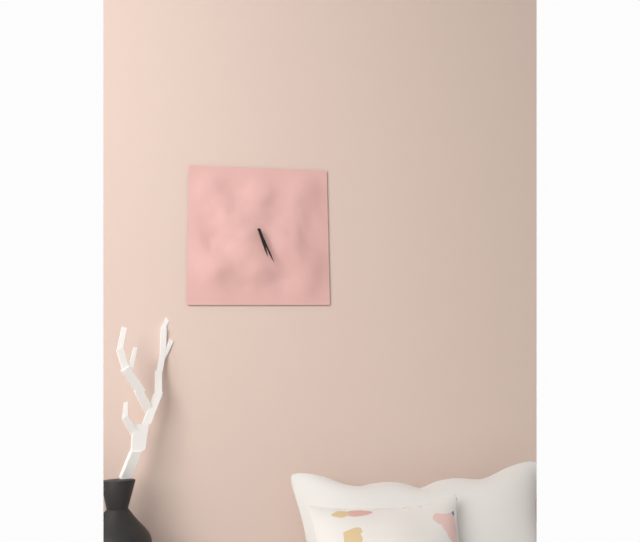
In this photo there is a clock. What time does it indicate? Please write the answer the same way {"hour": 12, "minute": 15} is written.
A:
{"hour": 5, "minute": 26}
